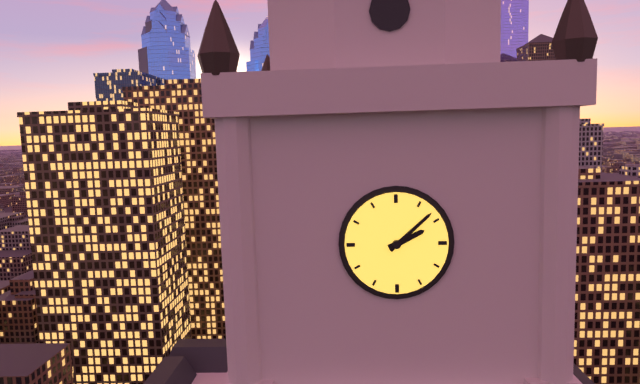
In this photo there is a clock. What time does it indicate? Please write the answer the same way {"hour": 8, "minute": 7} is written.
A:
{"hour": 2, "minute": 8}
